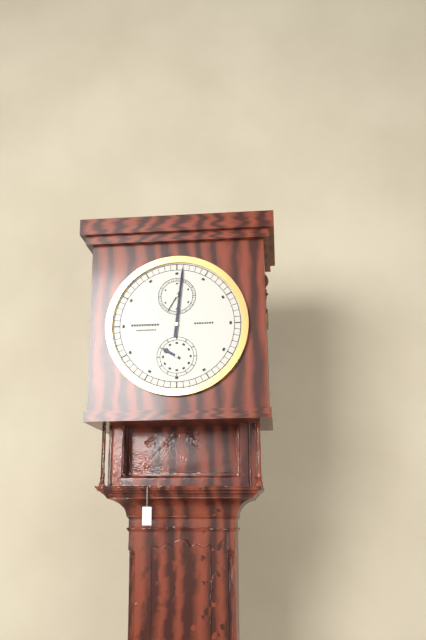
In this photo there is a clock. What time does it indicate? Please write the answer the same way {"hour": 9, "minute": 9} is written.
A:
{"hour": 10, "minute": 1}
